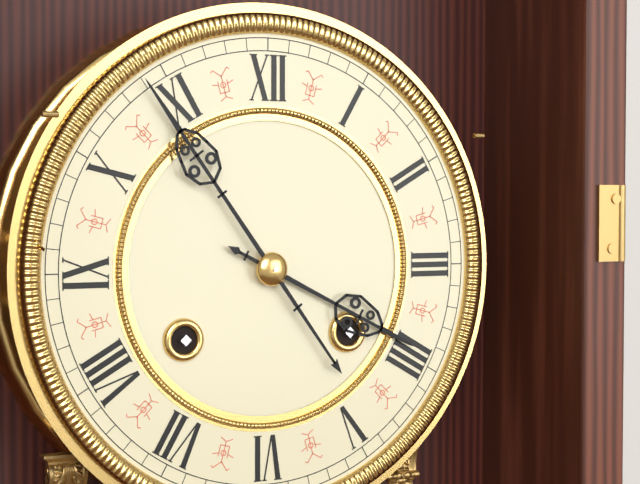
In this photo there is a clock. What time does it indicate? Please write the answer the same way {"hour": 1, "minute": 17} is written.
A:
{"hour": 3, "minute": 54}
